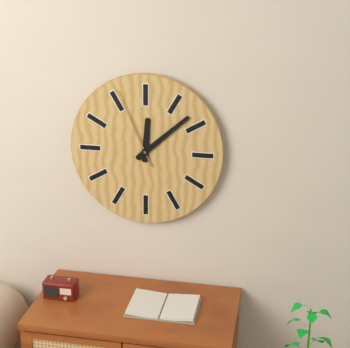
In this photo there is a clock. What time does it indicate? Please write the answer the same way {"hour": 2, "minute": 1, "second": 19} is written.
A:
{"hour": 12, "minute": 8, "second": 56}
